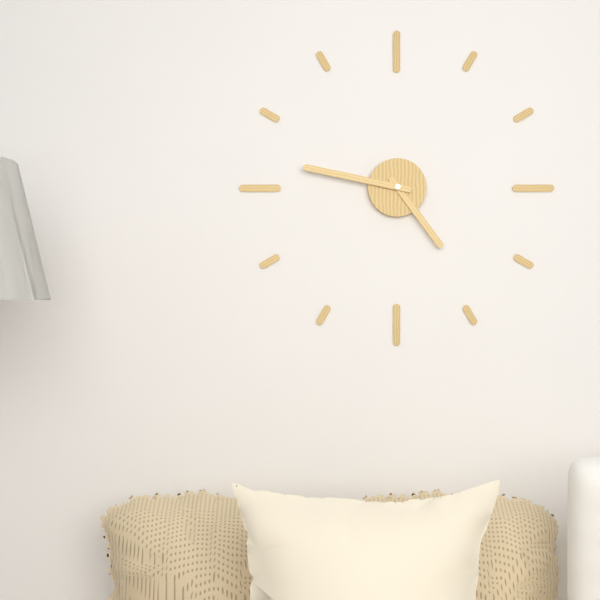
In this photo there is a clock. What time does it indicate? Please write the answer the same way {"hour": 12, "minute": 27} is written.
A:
{"hour": 4, "minute": 47}
